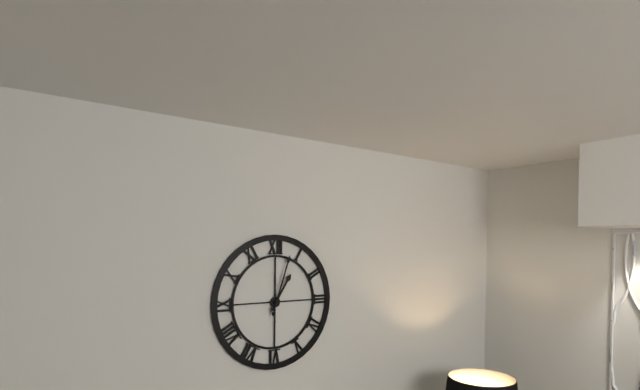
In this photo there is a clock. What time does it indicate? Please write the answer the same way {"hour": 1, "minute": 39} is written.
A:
{"hour": 1, "minute": 3}
